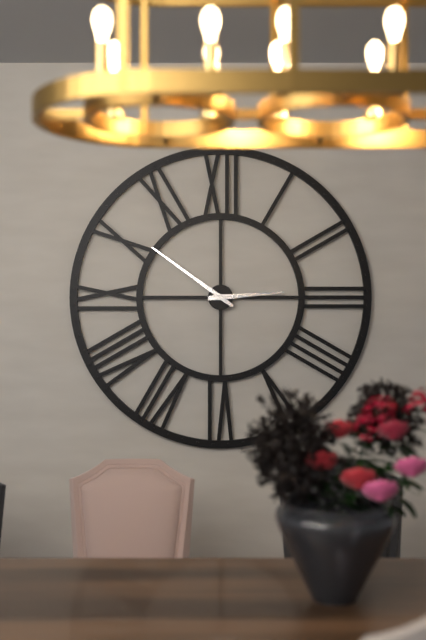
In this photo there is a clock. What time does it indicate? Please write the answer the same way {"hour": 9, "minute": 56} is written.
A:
{"hour": 2, "minute": 51}
